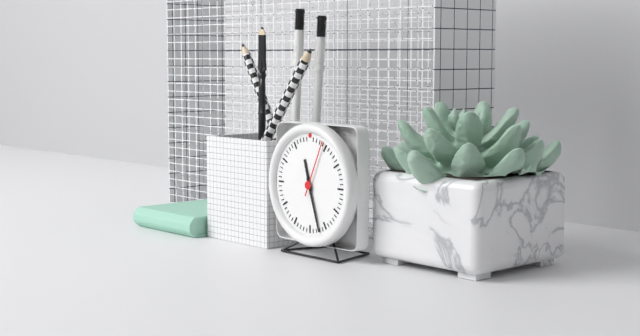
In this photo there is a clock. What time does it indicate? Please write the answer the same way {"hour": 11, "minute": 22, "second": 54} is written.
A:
{"hour": 11, "minute": 27, "second": 4}
